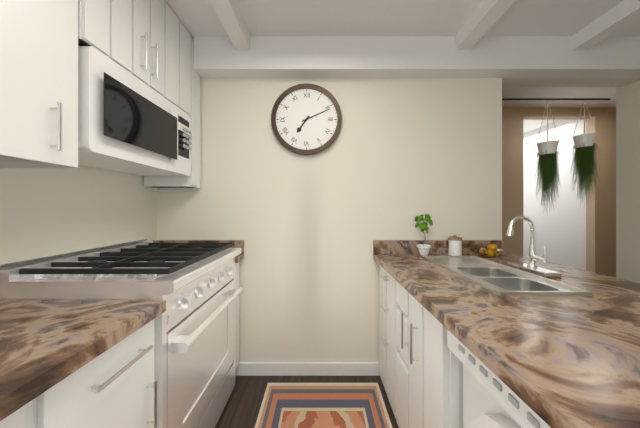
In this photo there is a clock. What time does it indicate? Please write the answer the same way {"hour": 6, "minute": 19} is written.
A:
{"hour": 7, "minute": 11}
